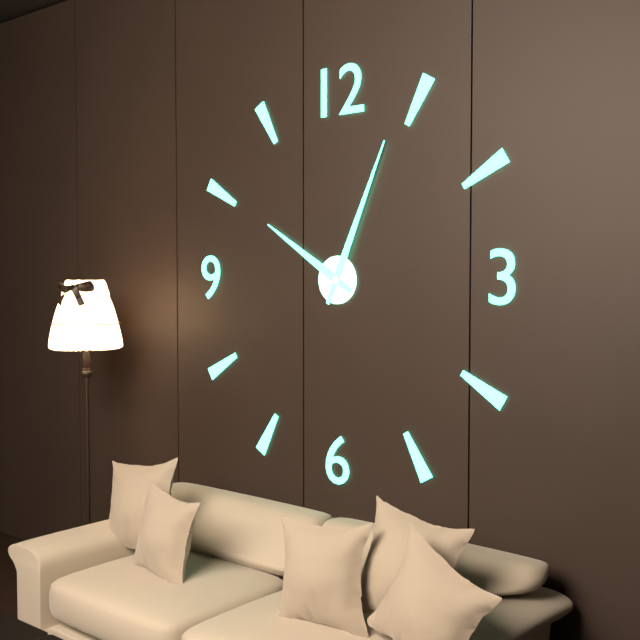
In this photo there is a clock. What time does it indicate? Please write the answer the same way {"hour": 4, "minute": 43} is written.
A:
{"hour": 10, "minute": 4}
